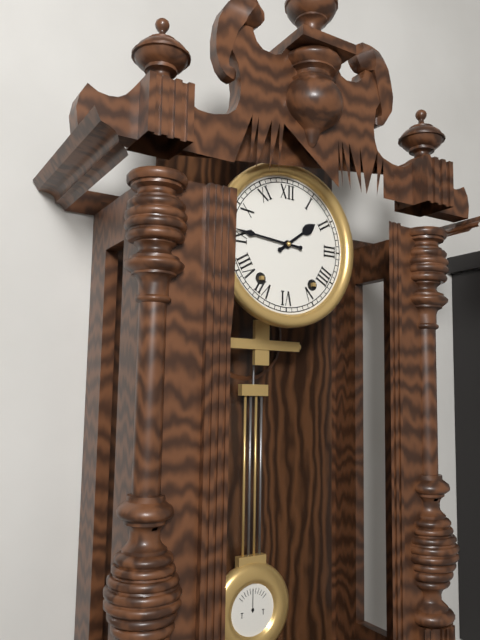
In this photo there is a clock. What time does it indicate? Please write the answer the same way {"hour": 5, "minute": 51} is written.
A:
{"hour": 1, "minute": 46}
